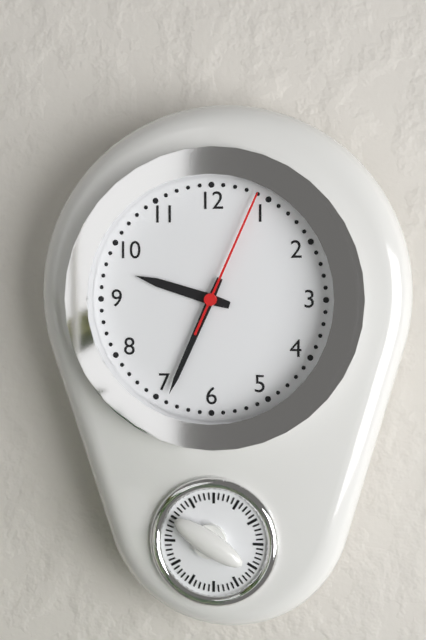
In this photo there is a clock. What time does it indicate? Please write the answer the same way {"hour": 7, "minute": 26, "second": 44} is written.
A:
{"hour": 9, "minute": 34, "second": 4}
